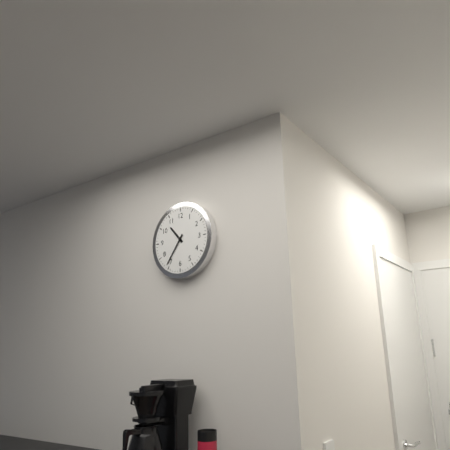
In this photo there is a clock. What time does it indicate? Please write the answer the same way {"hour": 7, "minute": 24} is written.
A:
{"hour": 10, "minute": 36}
